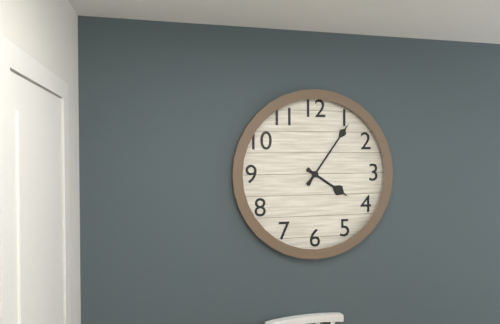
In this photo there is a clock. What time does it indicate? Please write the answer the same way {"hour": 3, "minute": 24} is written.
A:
{"hour": 4, "minute": 6}
